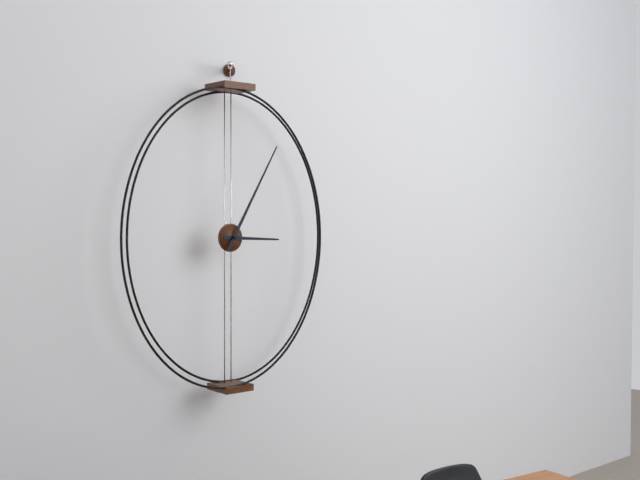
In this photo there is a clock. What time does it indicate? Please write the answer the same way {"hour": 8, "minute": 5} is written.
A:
{"hour": 3, "minute": 5}
